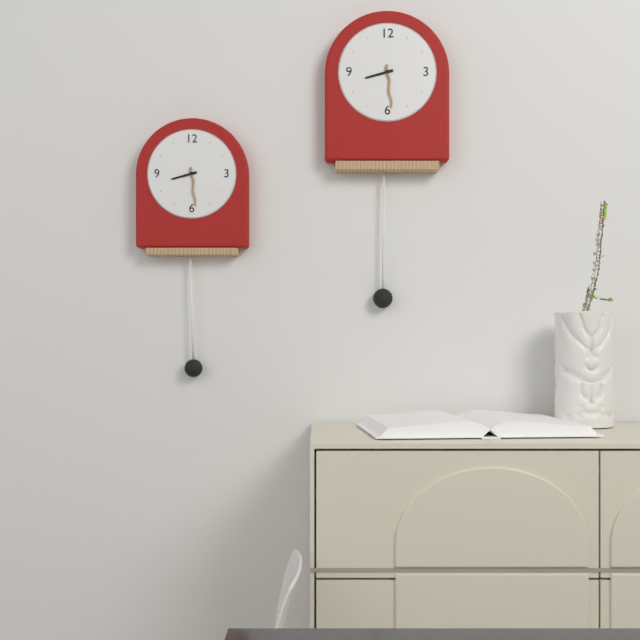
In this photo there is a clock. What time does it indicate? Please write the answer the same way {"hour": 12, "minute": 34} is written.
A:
{"hour": 8, "minute": 29}
